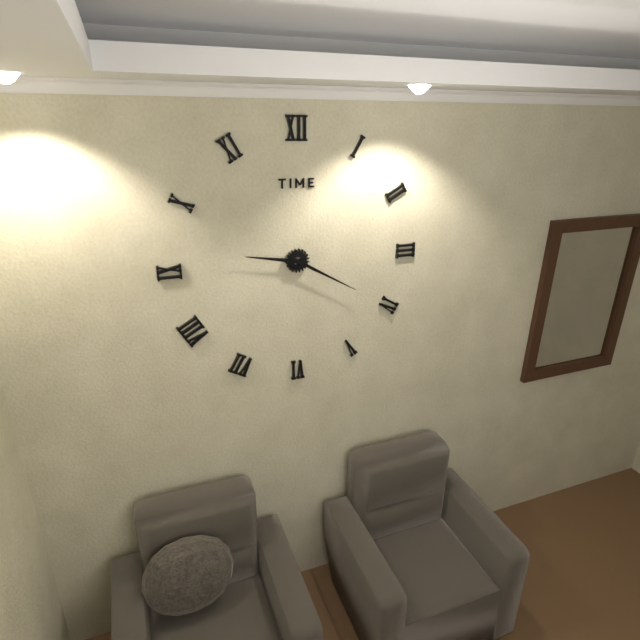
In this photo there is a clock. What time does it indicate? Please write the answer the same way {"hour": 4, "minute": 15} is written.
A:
{"hour": 9, "minute": 20}
